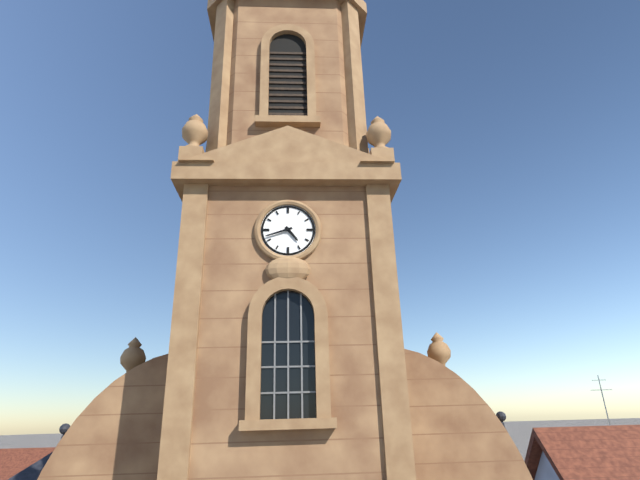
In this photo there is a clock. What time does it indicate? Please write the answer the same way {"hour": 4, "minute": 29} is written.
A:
{"hour": 4, "minute": 42}
